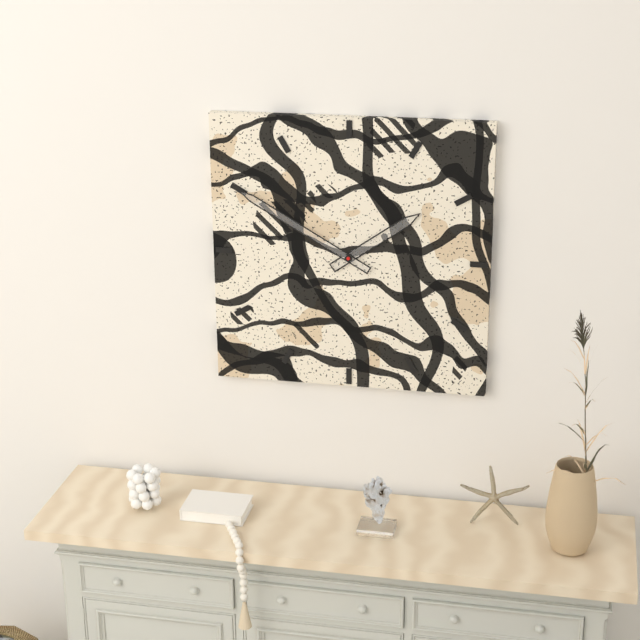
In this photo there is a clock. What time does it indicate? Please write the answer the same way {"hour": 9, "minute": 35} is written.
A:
{"hour": 1, "minute": 50}
